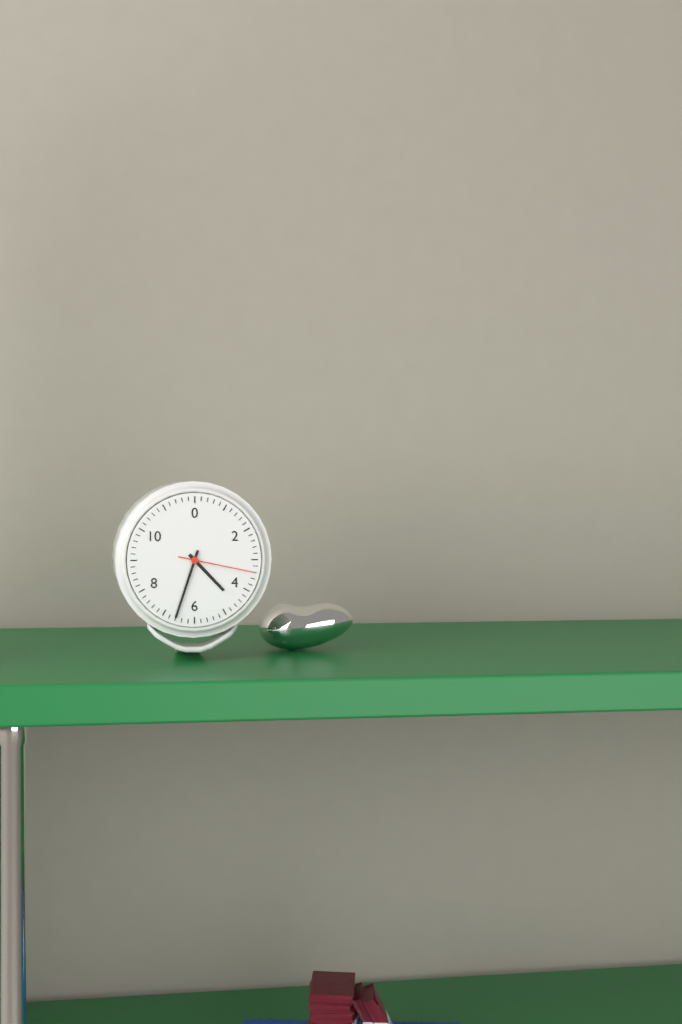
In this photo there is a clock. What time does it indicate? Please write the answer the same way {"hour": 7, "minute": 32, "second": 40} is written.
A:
{"hour": 4, "minute": 33, "second": 17}
